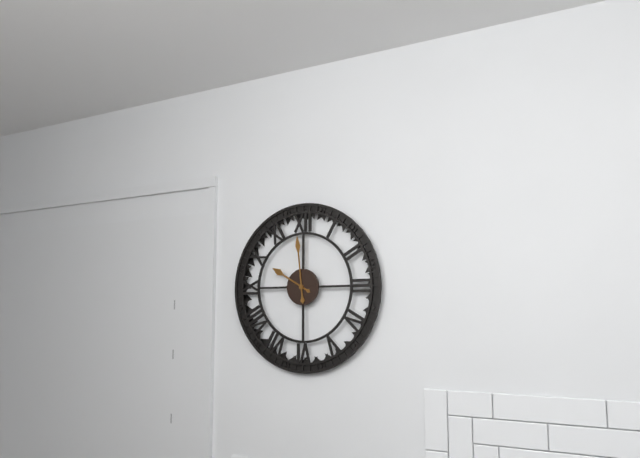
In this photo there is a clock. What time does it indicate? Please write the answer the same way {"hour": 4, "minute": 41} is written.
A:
{"hour": 9, "minute": 59}
